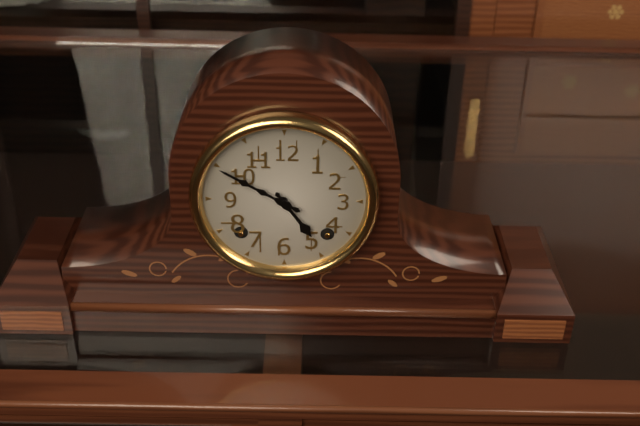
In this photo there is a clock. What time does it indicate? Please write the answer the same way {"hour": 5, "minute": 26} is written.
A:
{"hour": 4, "minute": 50}
